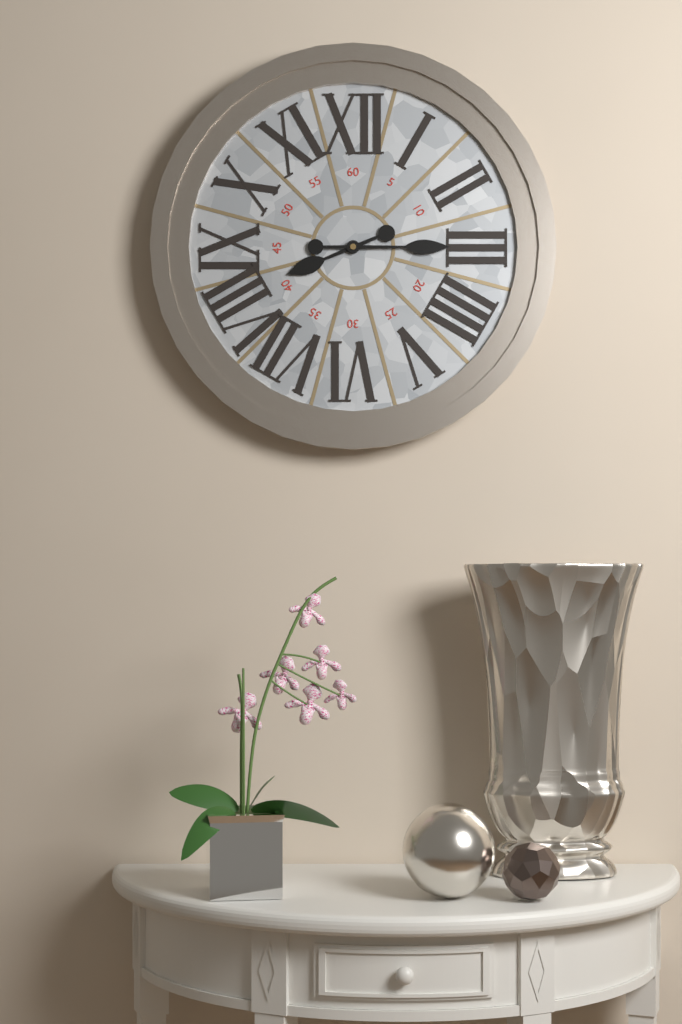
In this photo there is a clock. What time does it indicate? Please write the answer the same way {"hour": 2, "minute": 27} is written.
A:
{"hour": 8, "minute": 15}
